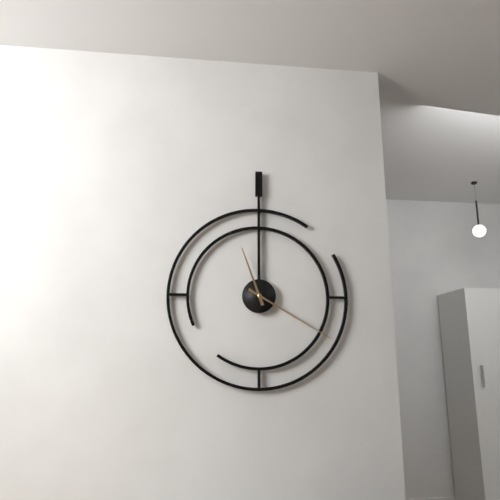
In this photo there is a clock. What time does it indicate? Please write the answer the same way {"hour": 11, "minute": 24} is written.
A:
{"hour": 11, "minute": 20}
